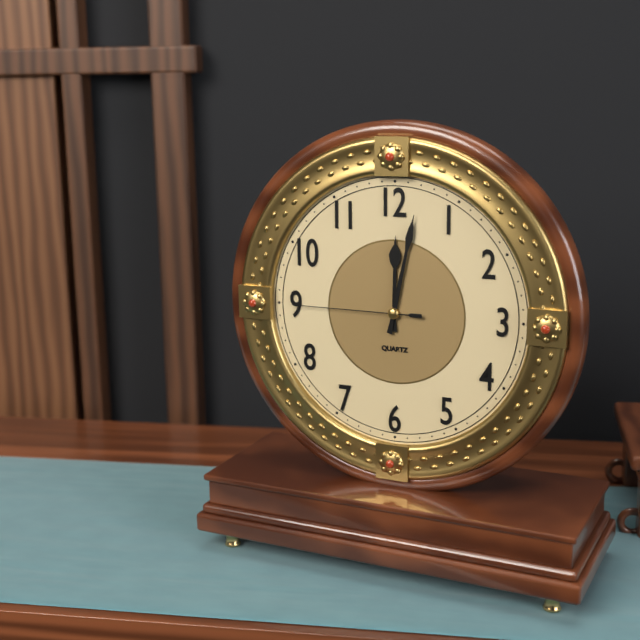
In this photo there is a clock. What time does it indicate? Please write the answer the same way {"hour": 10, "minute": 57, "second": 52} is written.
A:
{"hour": 12, "minute": 2, "second": 45}
